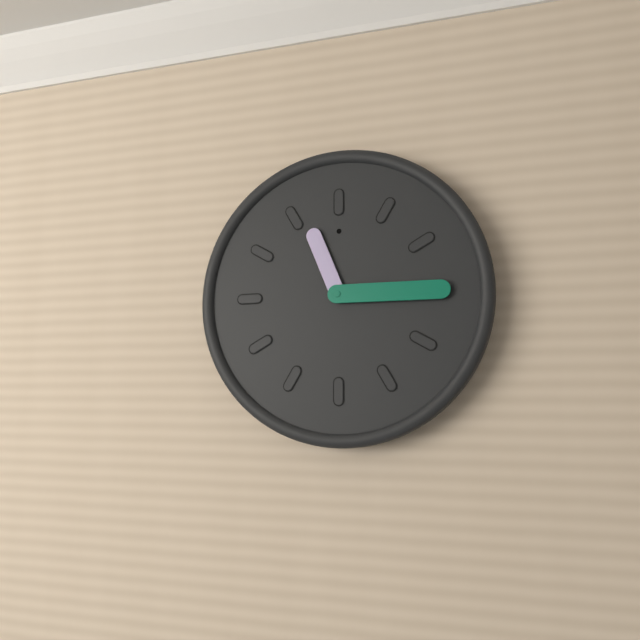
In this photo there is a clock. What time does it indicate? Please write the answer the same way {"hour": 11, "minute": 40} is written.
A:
{"hour": 11, "minute": 15}
